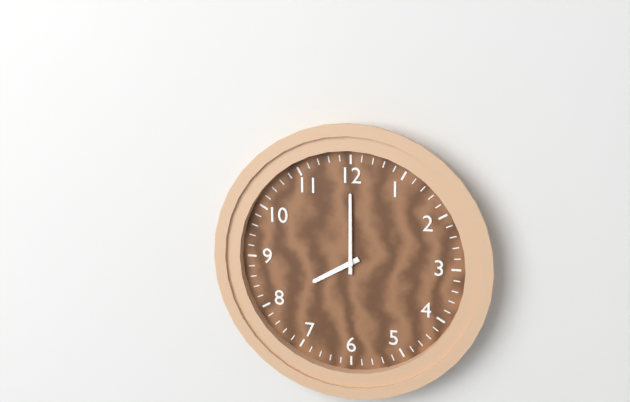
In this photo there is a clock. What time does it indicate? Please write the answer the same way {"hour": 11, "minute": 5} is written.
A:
{"hour": 8, "minute": 0}
